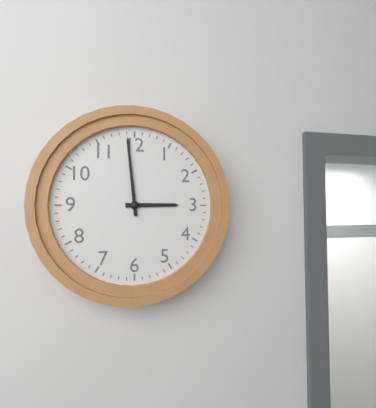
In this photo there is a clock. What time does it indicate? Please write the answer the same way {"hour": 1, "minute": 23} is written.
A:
{"hour": 2, "minute": 59}
